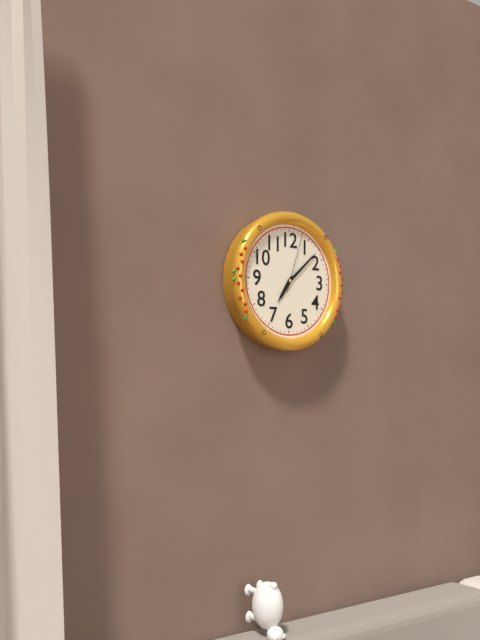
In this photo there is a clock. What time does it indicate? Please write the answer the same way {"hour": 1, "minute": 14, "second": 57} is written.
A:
{"hour": 7, "minute": 8, "second": 3}
